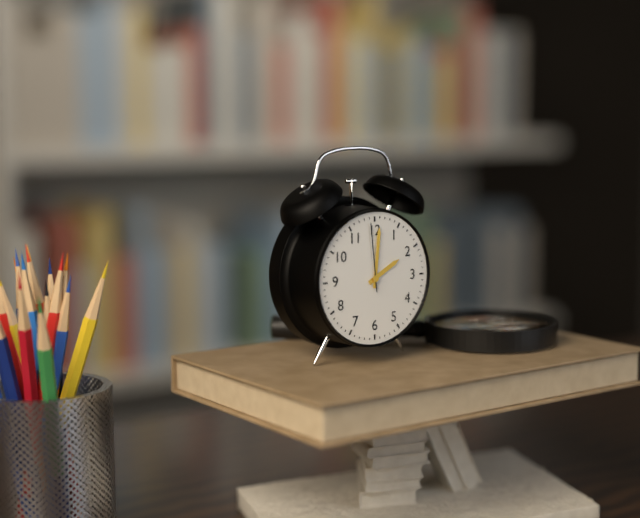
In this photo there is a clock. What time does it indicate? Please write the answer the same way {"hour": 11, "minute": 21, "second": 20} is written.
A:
{"hour": 2, "minute": 1, "second": 59}
